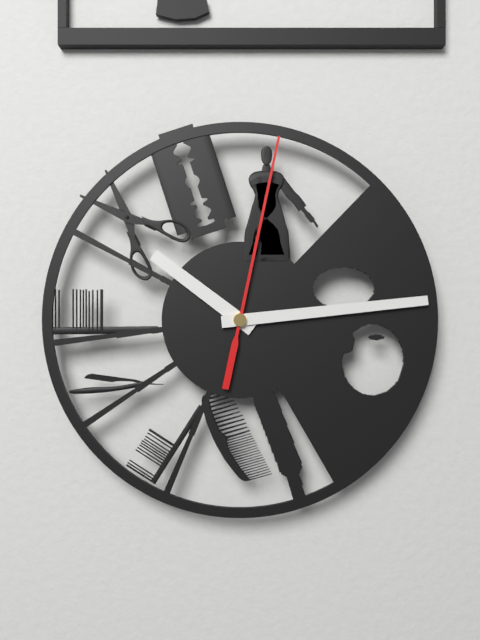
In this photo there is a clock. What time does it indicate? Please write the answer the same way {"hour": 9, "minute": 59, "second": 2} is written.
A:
{"hour": 10, "minute": 14, "second": 2}
